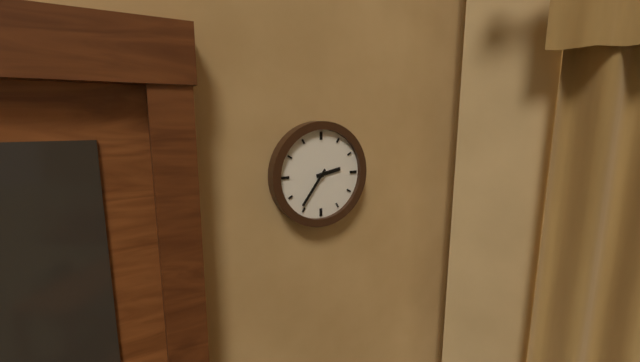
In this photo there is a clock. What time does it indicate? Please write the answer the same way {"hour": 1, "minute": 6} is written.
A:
{"hour": 2, "minute": 36}
